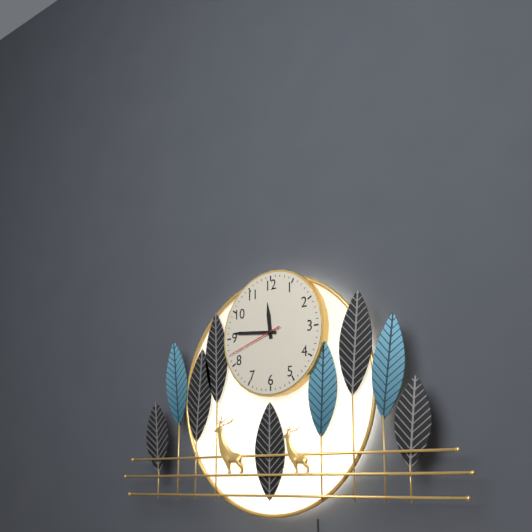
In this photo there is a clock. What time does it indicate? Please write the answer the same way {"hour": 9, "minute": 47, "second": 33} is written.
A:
{"hour": 11, "minute": 46, "second": 42}
